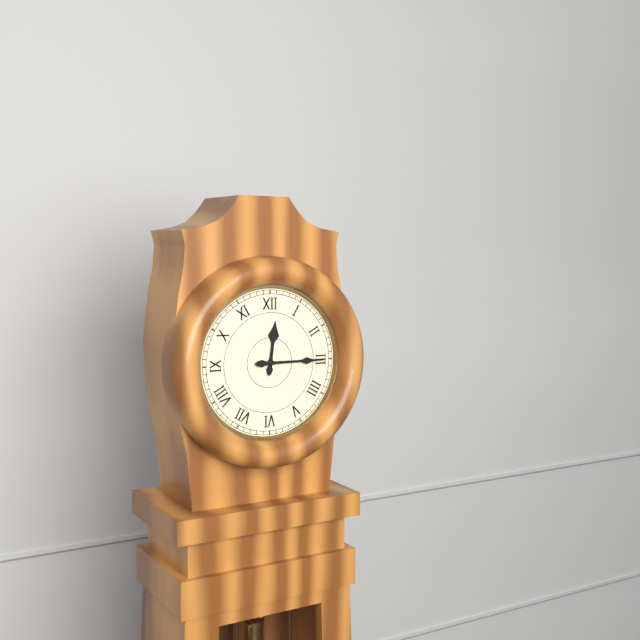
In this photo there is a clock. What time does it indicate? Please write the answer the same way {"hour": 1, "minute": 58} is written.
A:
{"hour": 12, "minute": 15}
